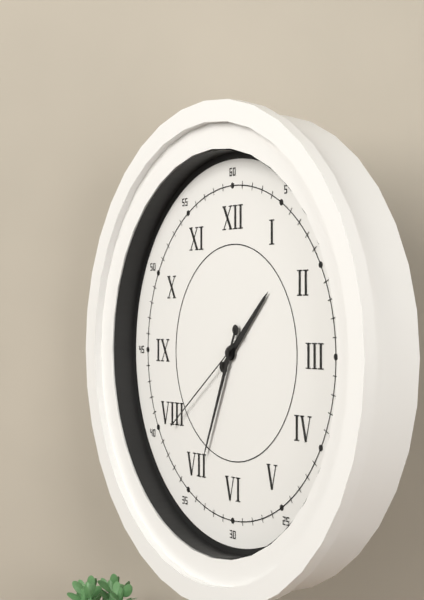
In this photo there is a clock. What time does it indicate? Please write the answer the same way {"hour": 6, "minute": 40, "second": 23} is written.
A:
{"hour": 1, "minute": 34, "second": 39}
